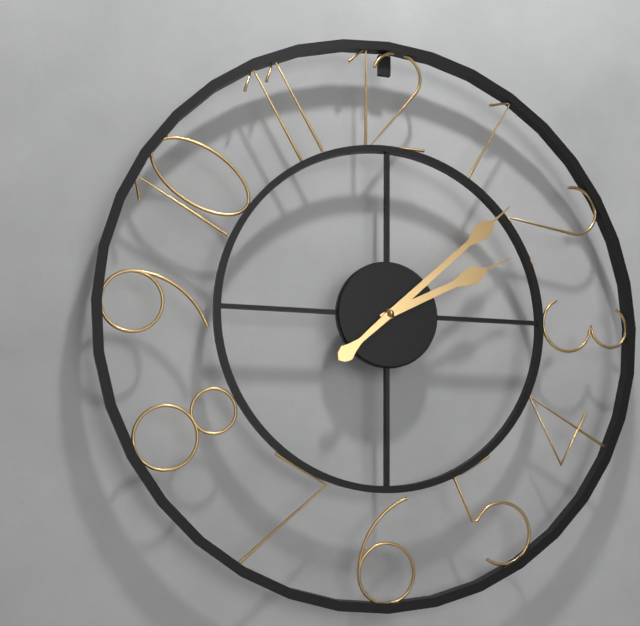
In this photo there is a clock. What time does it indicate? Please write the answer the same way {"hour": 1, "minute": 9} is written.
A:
{"hour": 2, "minute": 8}
